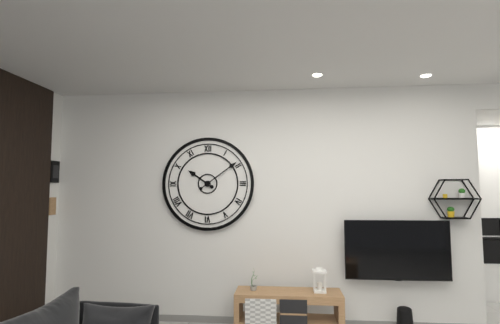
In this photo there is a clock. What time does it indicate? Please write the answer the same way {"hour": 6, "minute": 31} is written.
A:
{"hour": 10, "minute": 9}
